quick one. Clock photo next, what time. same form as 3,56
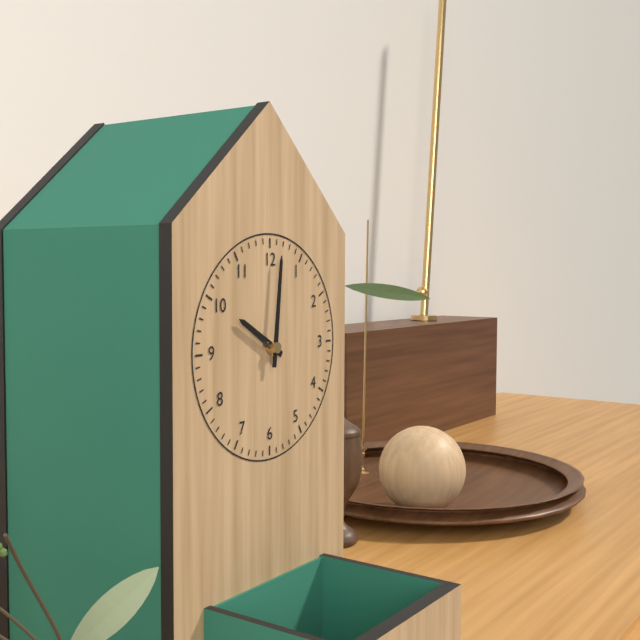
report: 10,01
